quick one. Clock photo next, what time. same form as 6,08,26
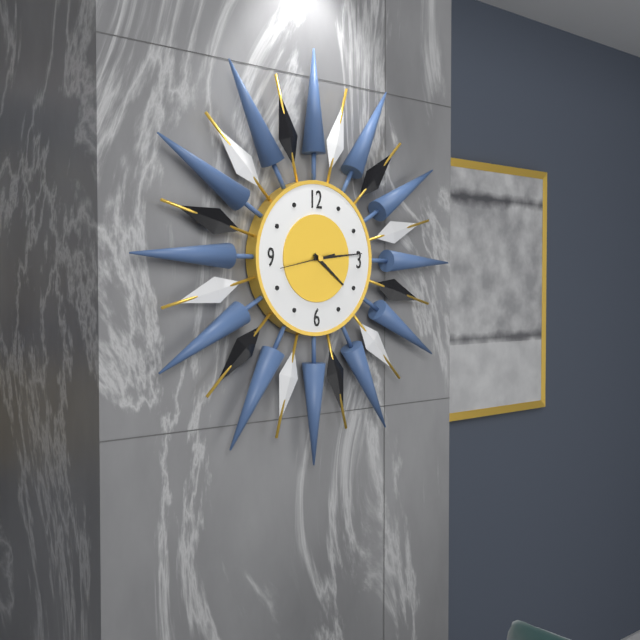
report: 4,14,43
